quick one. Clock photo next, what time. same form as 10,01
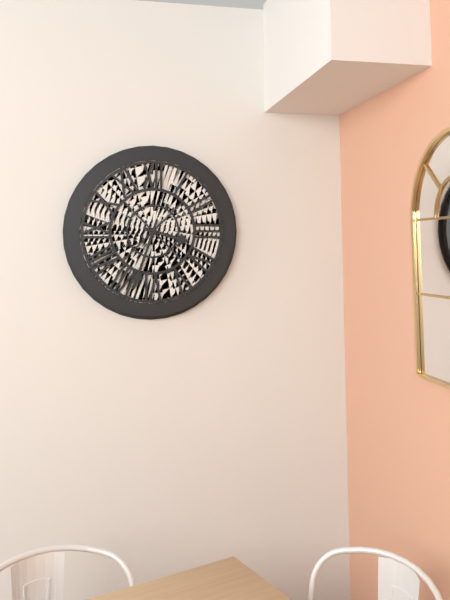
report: 3,33
